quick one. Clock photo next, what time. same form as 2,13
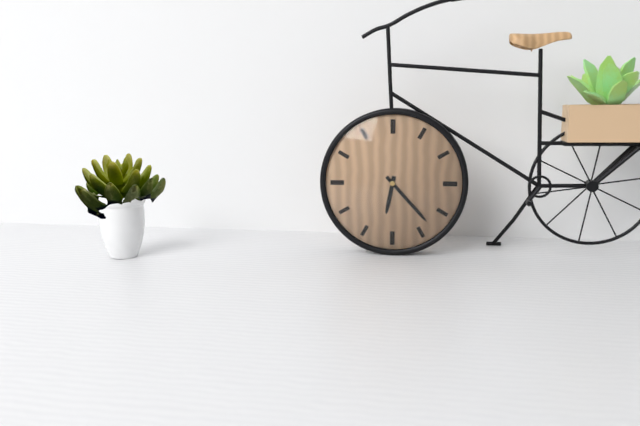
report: 6,23
